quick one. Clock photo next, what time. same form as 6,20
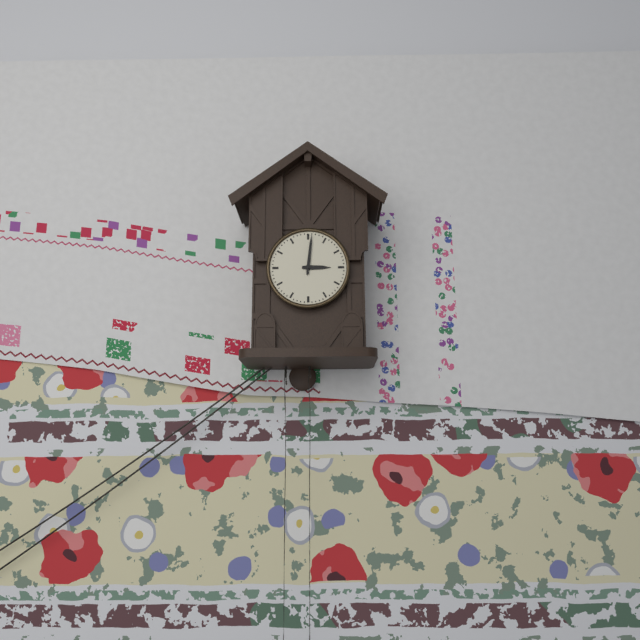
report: 3,01
